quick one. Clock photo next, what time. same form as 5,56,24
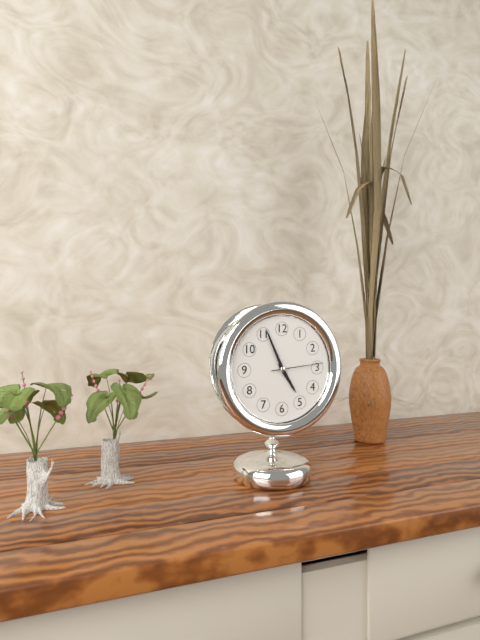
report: 4,56,14
